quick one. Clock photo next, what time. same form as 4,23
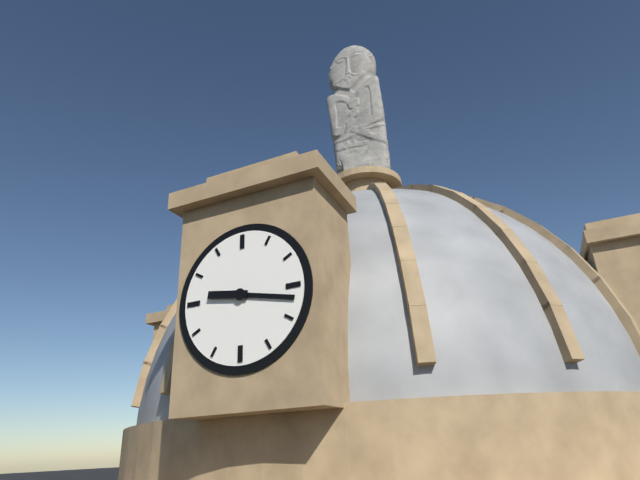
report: 9,17
